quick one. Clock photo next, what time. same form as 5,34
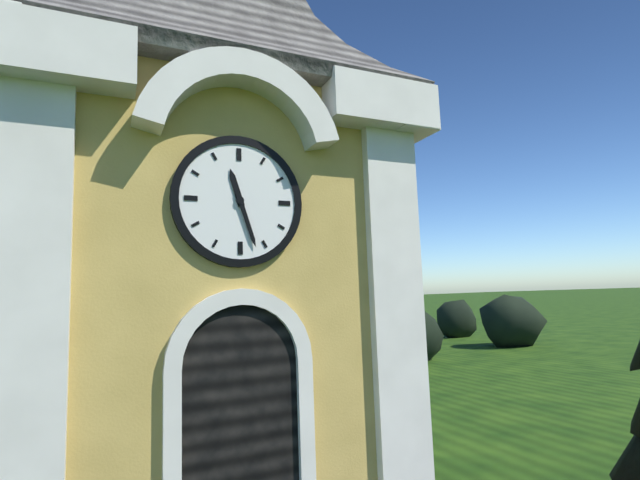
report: 11,27
